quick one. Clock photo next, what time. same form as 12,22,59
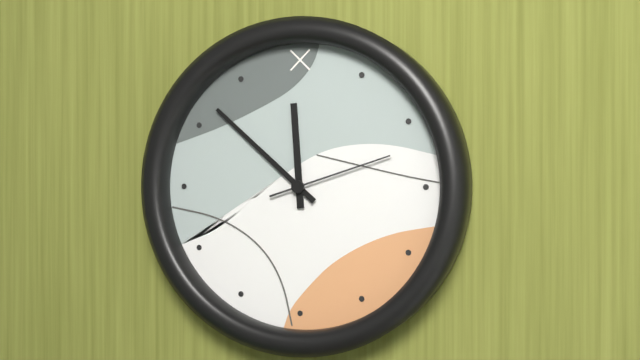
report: 11,52,12
